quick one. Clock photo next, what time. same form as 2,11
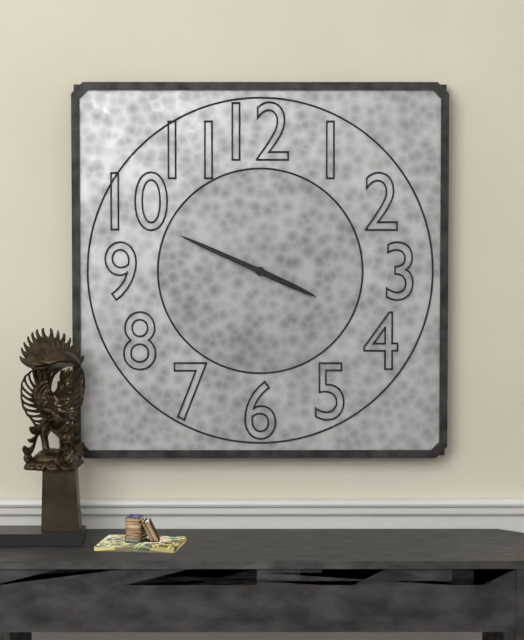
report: 3,49
